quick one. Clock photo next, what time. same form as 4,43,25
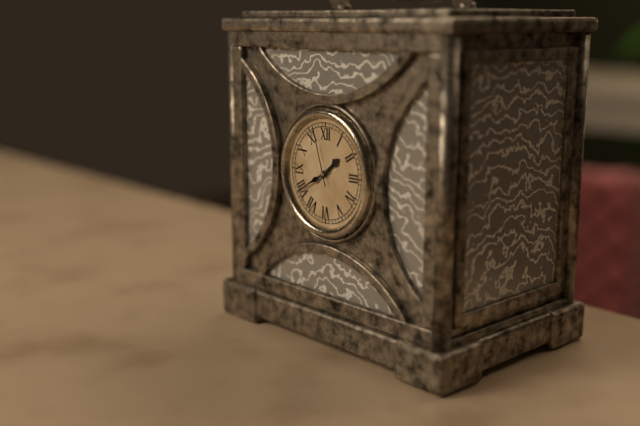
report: 1,40,57
